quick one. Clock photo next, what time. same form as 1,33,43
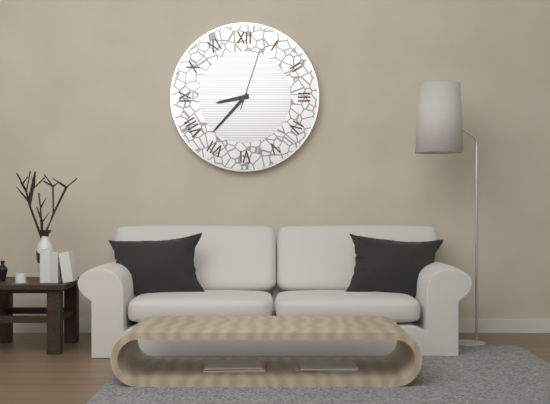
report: 8,37,03
